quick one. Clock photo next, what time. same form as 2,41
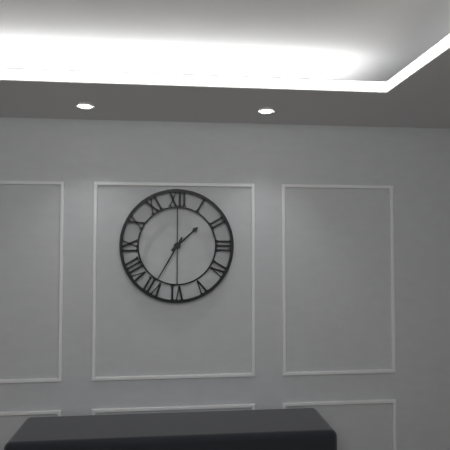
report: 1,35
